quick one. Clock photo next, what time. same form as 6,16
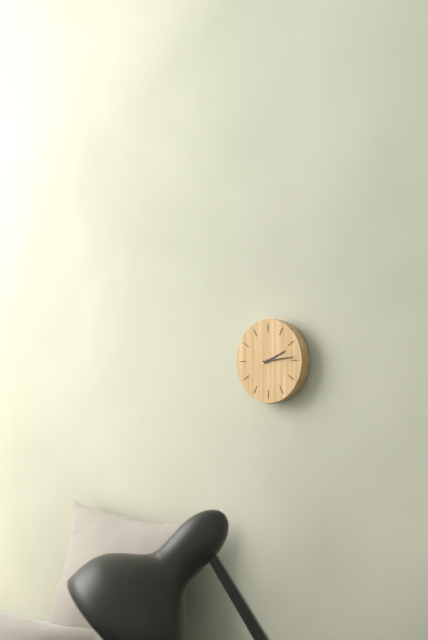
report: 2,14
